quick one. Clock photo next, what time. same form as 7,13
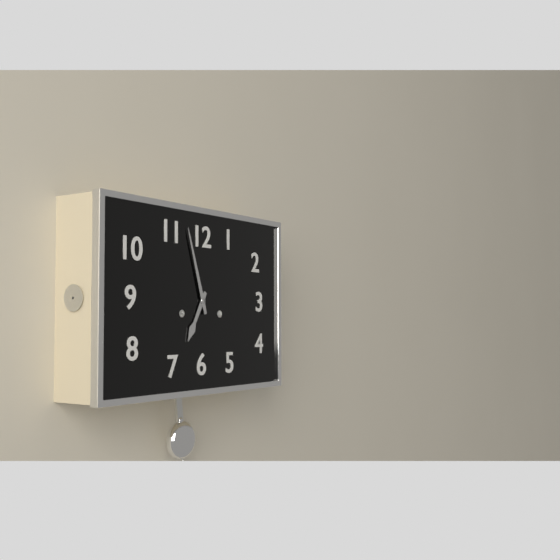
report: 6,57
